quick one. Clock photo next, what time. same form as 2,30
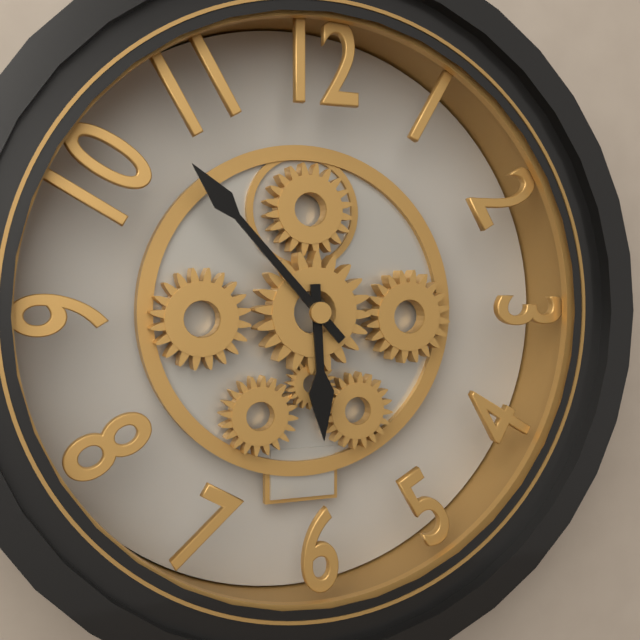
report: 5,53
